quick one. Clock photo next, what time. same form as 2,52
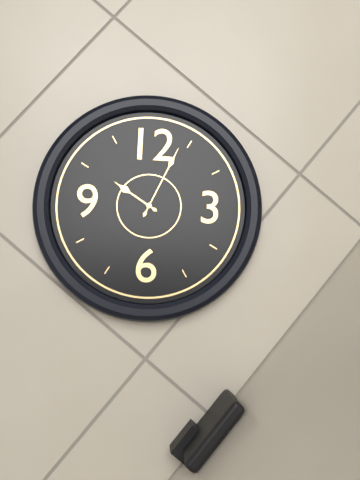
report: 10,04
